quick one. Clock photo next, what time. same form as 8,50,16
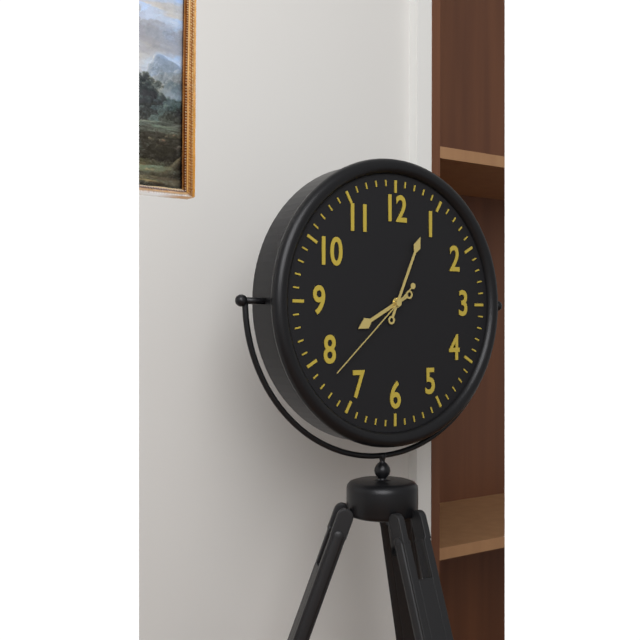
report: 8,04,38
